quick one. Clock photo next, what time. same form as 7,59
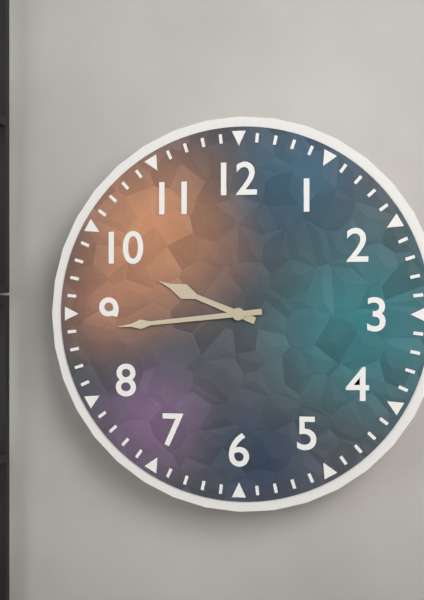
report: 9,44
